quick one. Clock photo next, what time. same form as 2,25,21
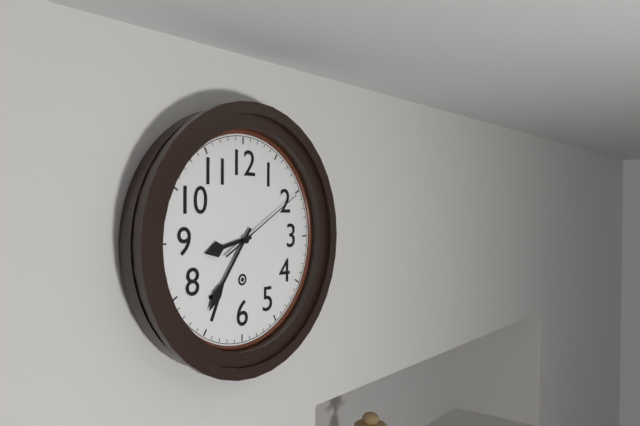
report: 8,36,10
